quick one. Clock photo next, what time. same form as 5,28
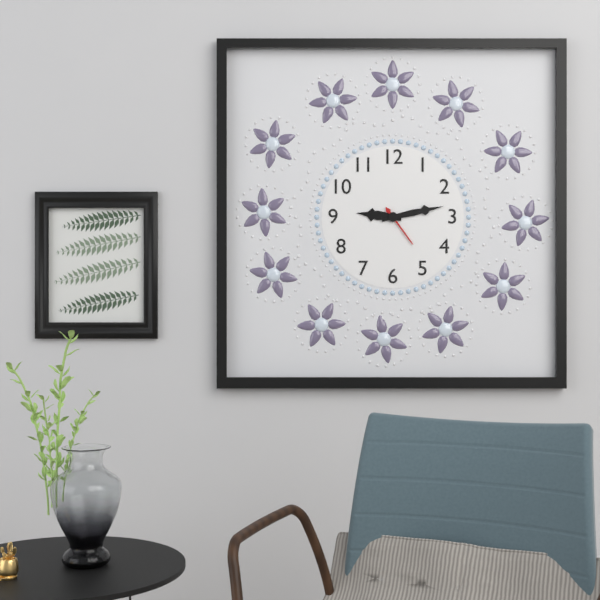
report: 9,13
